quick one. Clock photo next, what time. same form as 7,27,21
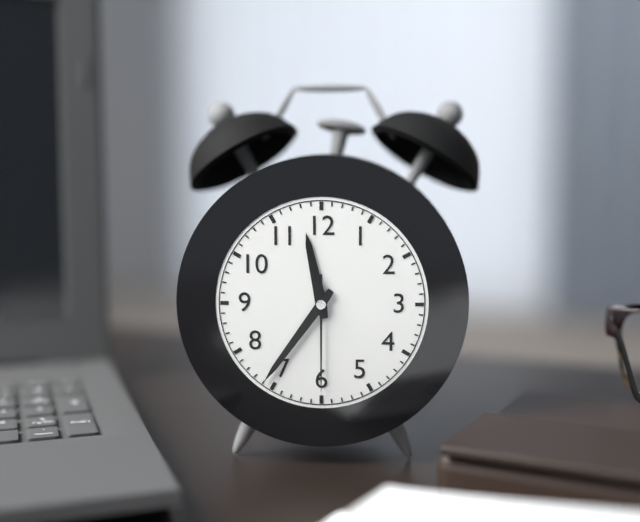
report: 11,36,30
